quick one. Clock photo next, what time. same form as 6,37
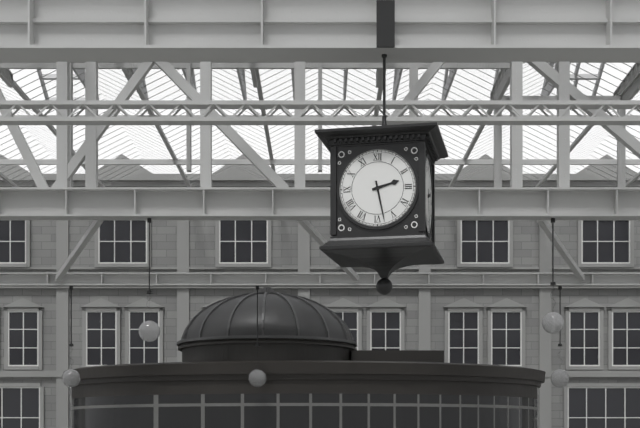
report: 2,28
